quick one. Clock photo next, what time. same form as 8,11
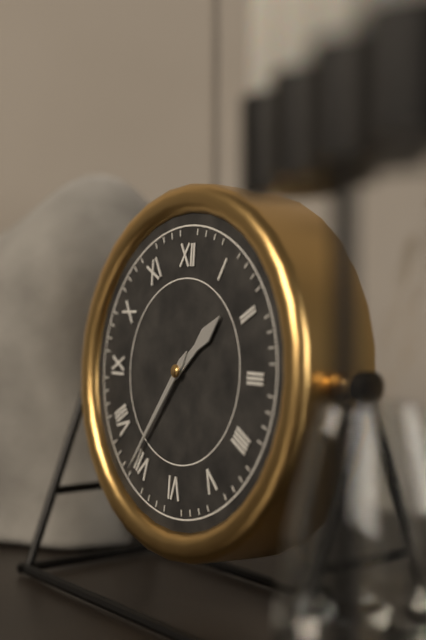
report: 1,36
